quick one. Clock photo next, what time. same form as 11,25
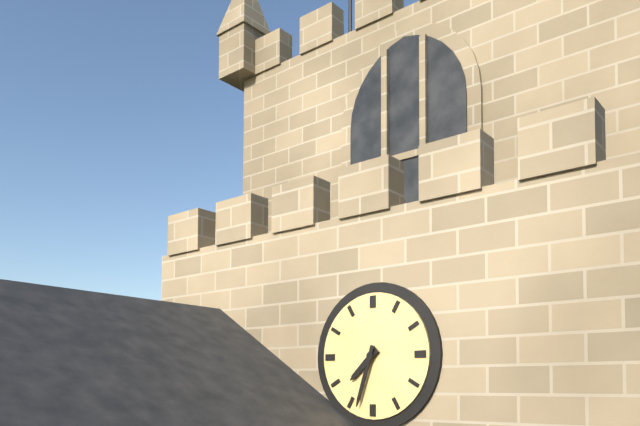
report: 7,33
